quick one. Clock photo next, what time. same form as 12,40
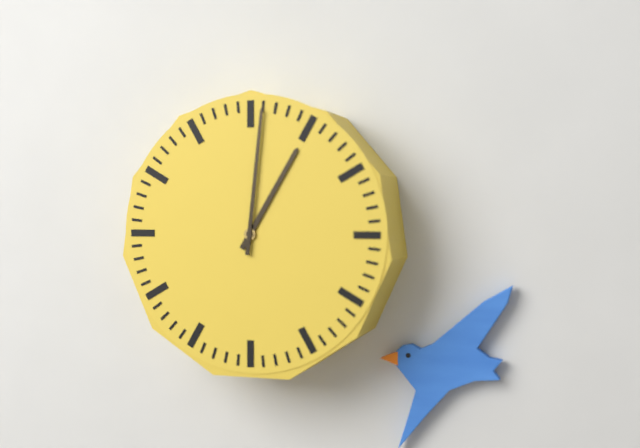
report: 1,01
